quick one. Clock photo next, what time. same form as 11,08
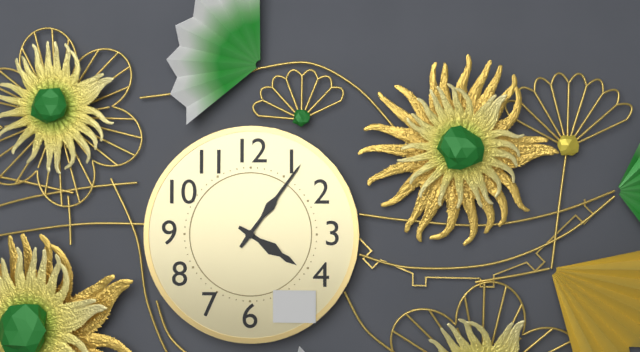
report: 4,06
